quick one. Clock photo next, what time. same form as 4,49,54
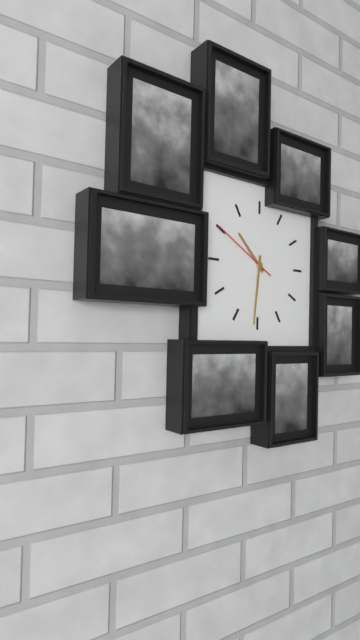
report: 10,31,50
